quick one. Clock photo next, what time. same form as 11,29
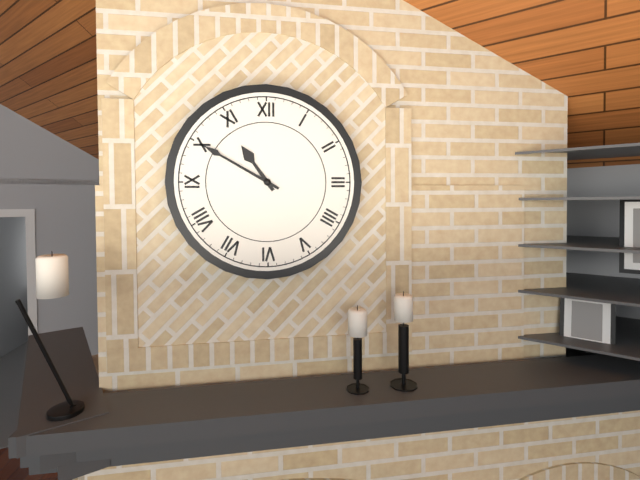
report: 10,50
